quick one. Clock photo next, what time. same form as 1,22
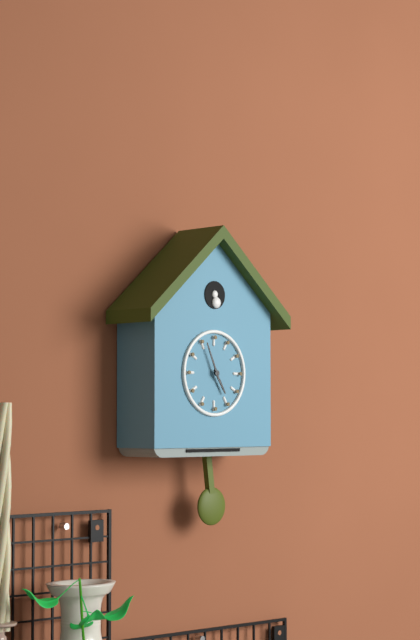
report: 4,56
